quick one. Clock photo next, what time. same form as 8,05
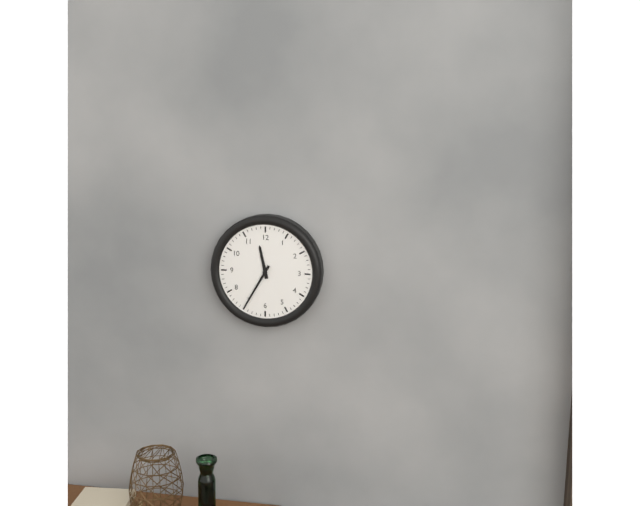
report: 11,35
